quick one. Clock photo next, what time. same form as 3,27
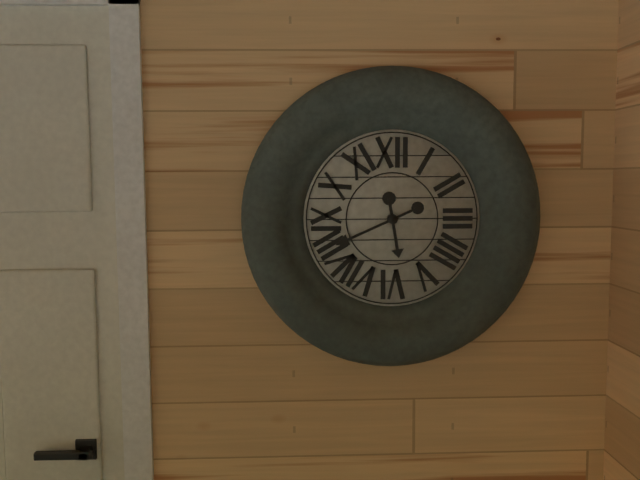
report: 5,41
